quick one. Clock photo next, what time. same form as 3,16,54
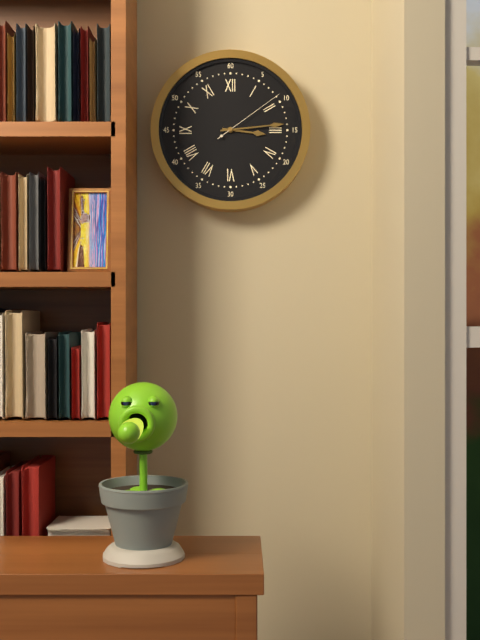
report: 3,14,09
